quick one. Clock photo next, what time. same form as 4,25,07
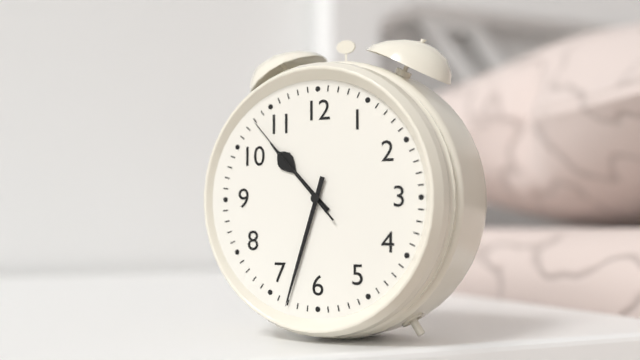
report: 10,33,53
